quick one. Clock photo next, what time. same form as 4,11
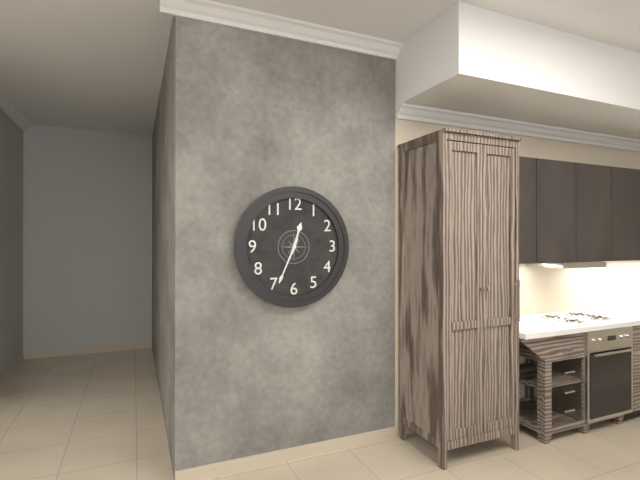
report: 12,34
